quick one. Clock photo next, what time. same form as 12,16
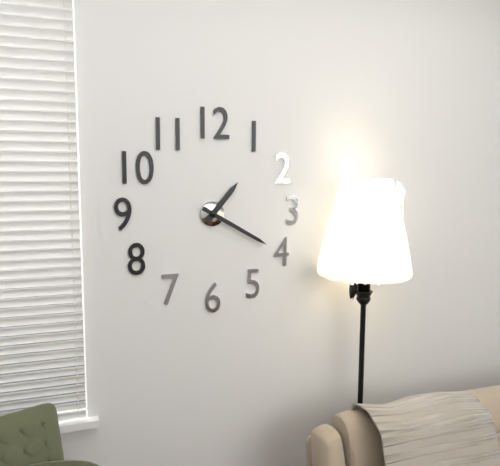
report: 1,20
